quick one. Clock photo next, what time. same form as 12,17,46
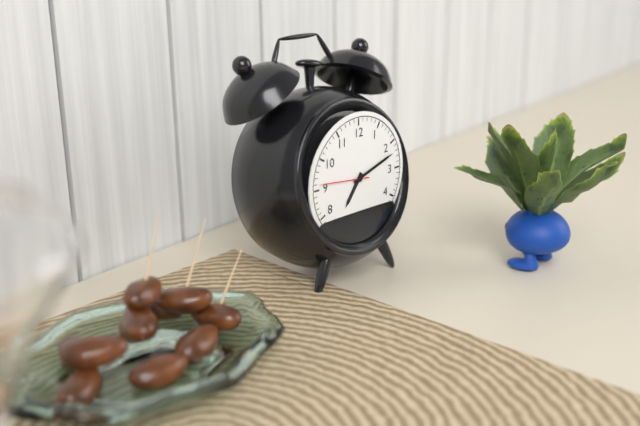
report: 7,12,46
